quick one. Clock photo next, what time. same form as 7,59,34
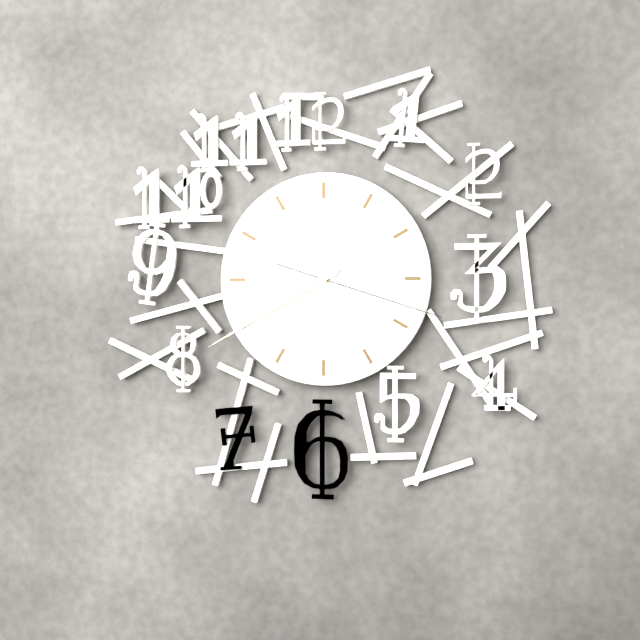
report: 11,40,18
